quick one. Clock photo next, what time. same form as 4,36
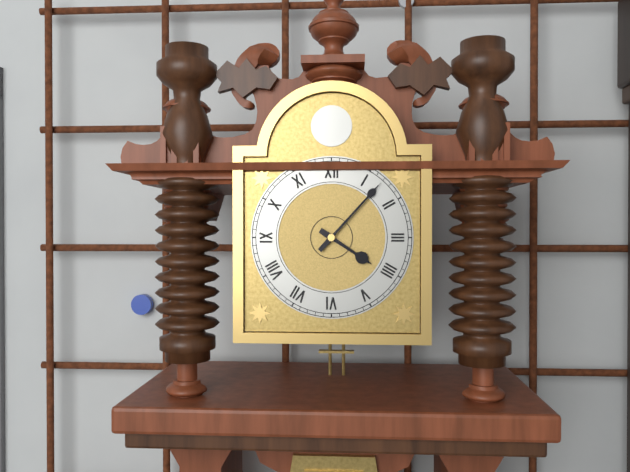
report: 4,07
